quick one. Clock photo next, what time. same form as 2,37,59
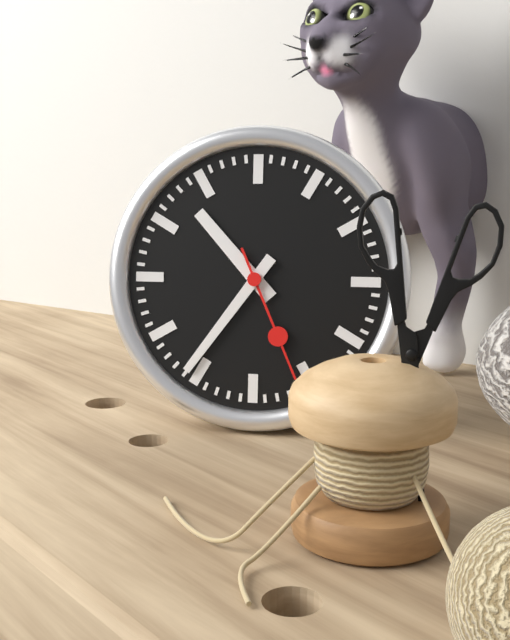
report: 10,36,26
